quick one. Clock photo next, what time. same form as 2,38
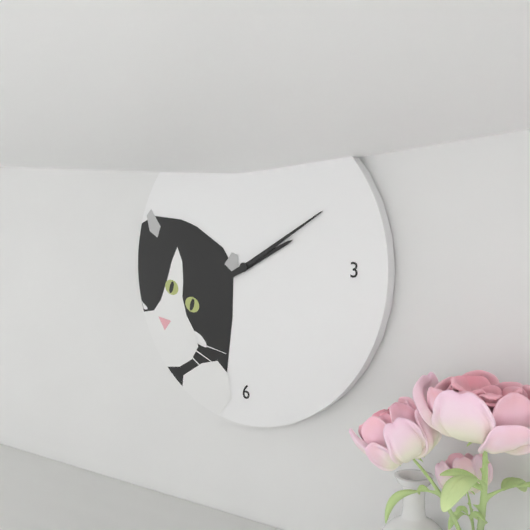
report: 2,10
